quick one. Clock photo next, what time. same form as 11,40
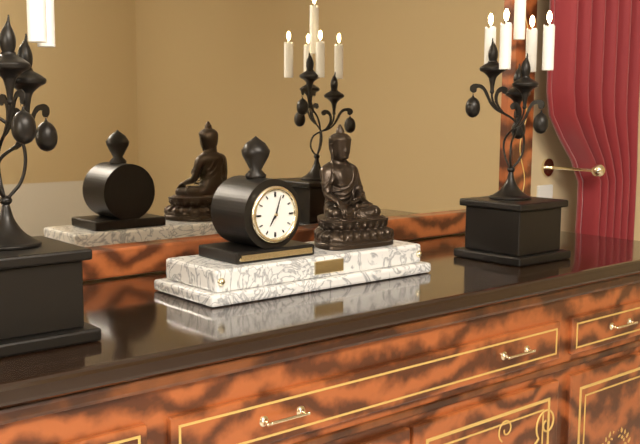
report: 7,03
